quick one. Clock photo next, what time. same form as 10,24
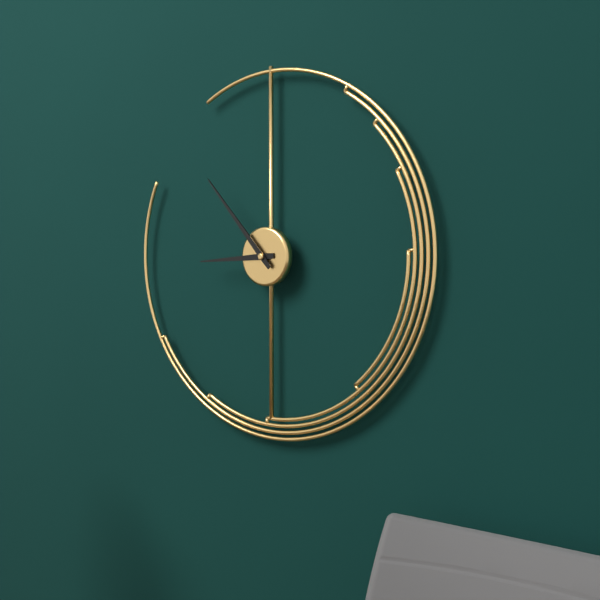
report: 8,53
